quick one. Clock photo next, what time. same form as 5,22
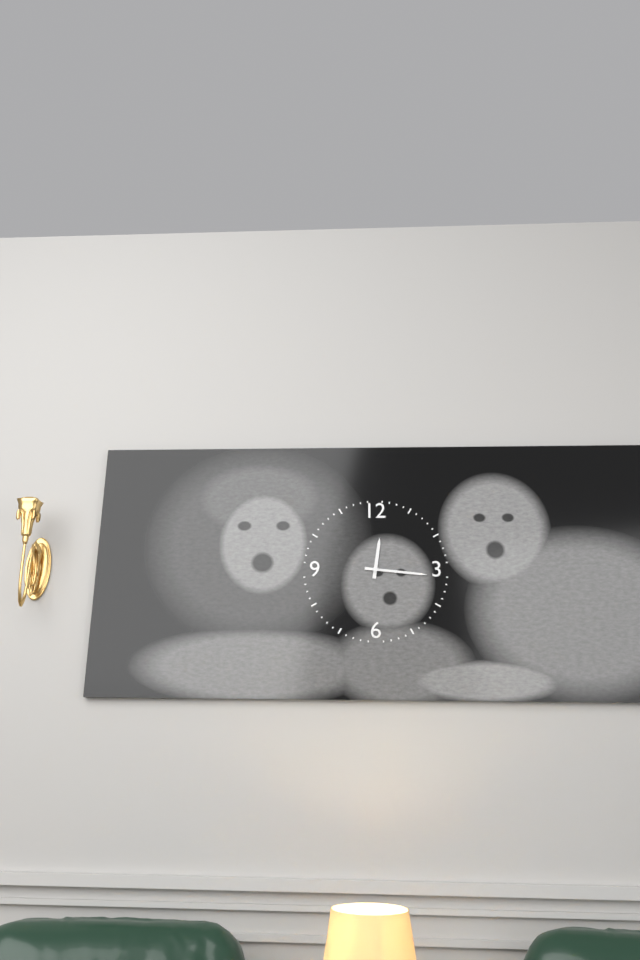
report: 12,16
